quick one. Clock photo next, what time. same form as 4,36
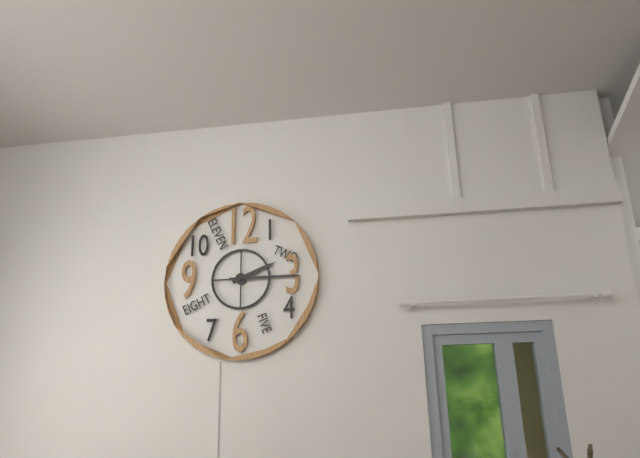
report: 2,15
